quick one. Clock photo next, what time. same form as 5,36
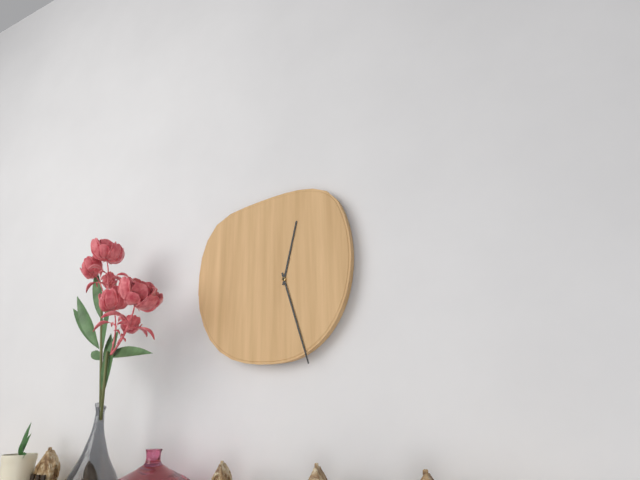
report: 12,27
